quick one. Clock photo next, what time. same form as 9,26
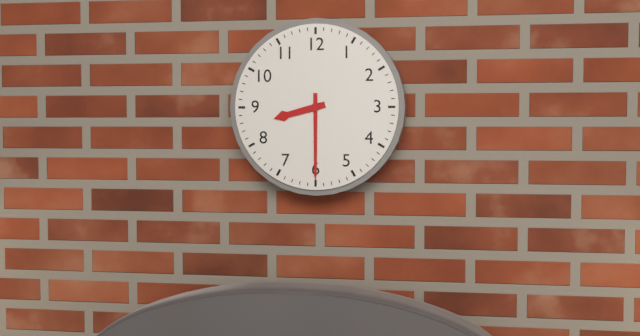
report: 8,30
